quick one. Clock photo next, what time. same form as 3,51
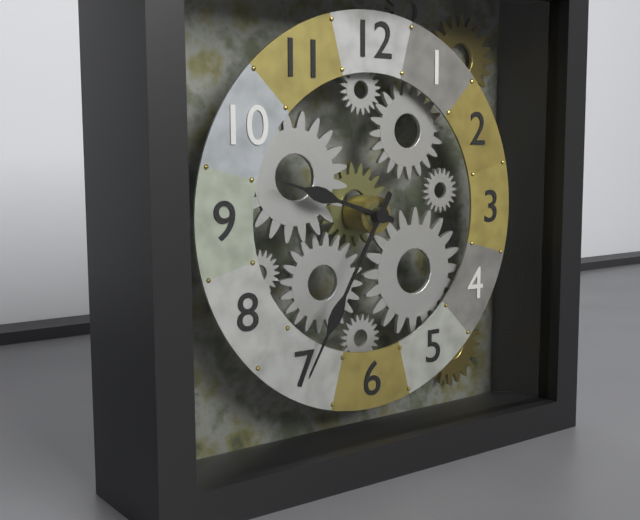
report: 9,35
